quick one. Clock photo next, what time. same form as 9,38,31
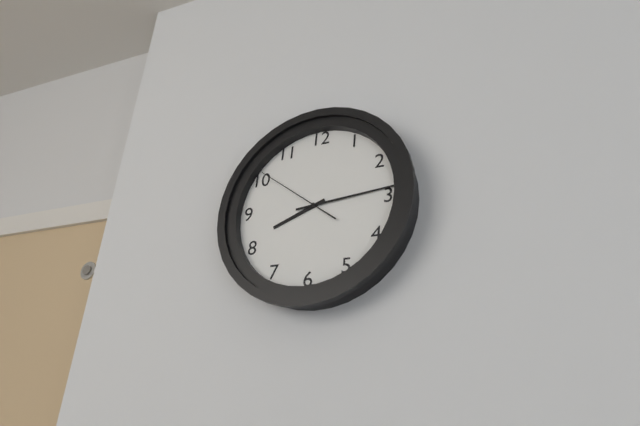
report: 8,14,51
